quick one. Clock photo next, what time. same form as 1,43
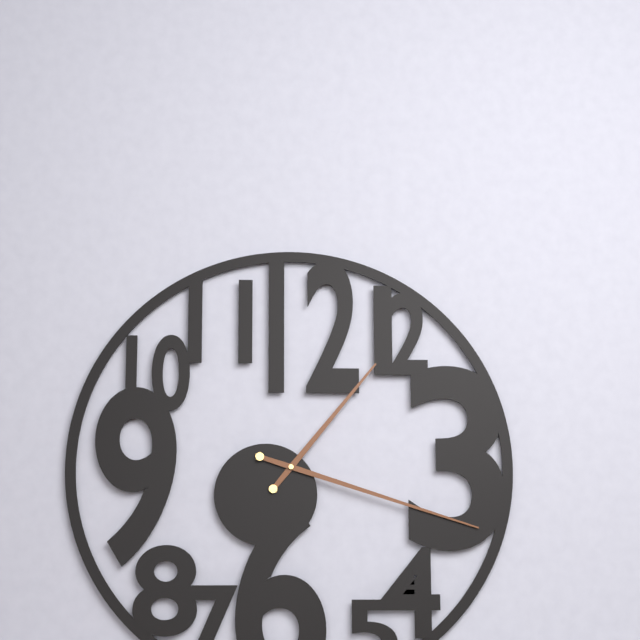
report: 1,18
